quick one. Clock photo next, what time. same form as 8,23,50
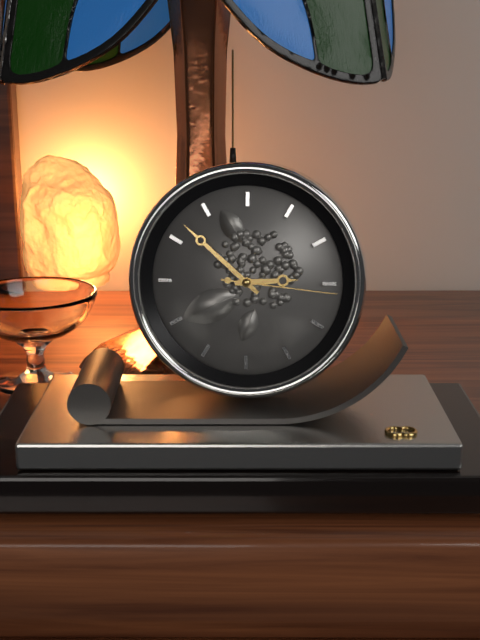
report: 2,52,16
